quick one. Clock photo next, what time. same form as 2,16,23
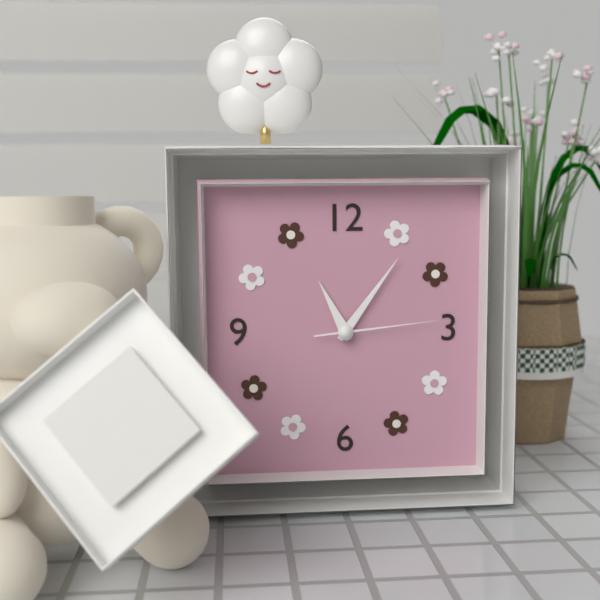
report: 11,06,14
